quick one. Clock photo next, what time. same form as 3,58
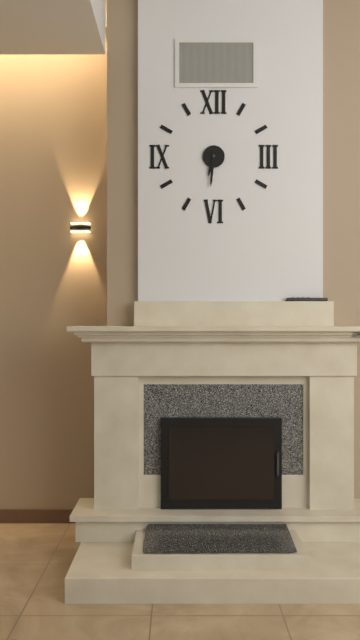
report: 6,31
